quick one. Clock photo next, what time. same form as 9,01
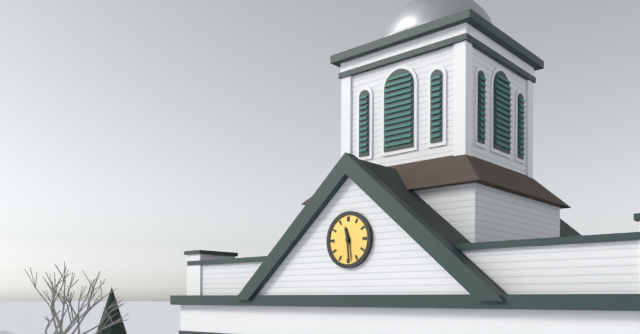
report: 11,29
